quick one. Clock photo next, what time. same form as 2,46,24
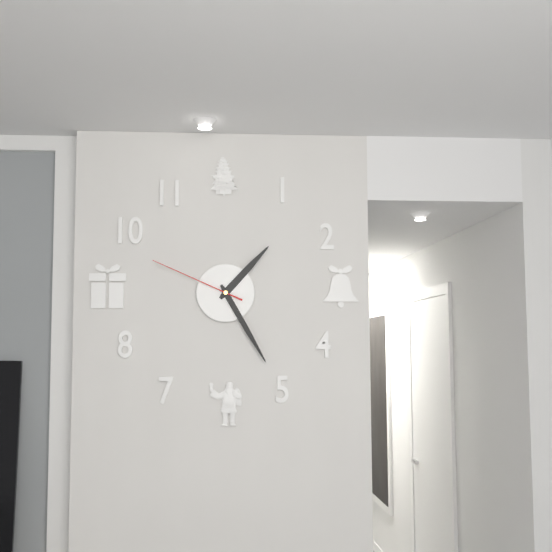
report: 1,25,49
